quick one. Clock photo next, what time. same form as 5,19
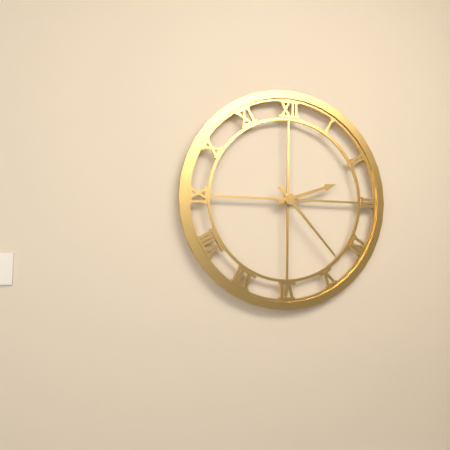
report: 2,23
